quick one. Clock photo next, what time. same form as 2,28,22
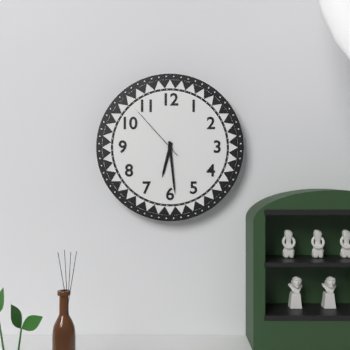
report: 6,29,53
